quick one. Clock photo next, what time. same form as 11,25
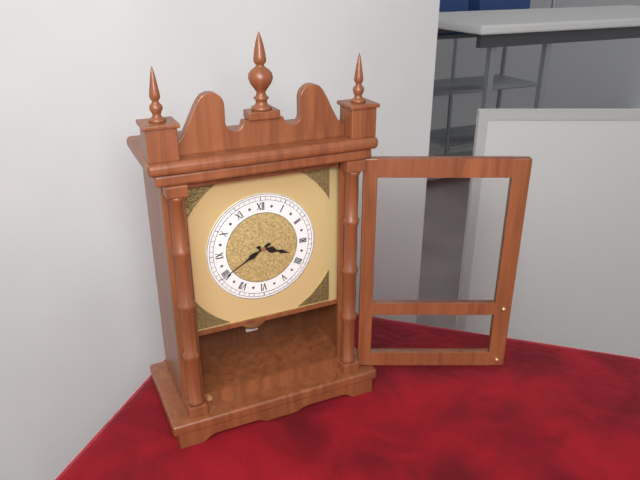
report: 3,40
